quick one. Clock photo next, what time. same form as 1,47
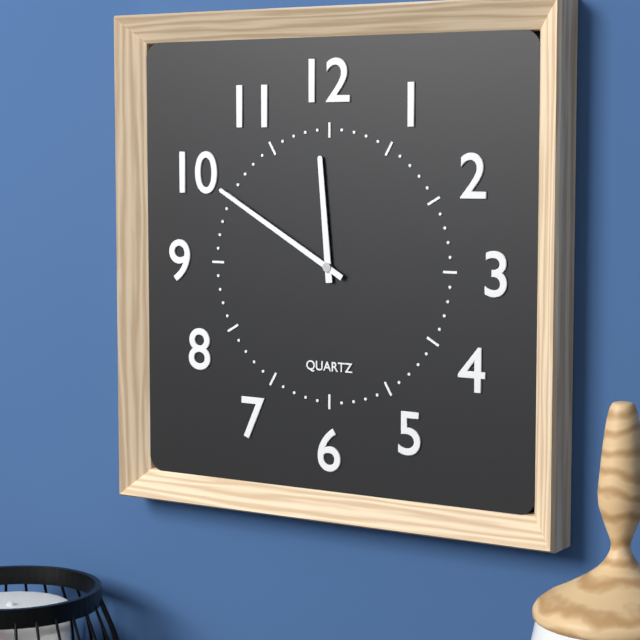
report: 11,50
